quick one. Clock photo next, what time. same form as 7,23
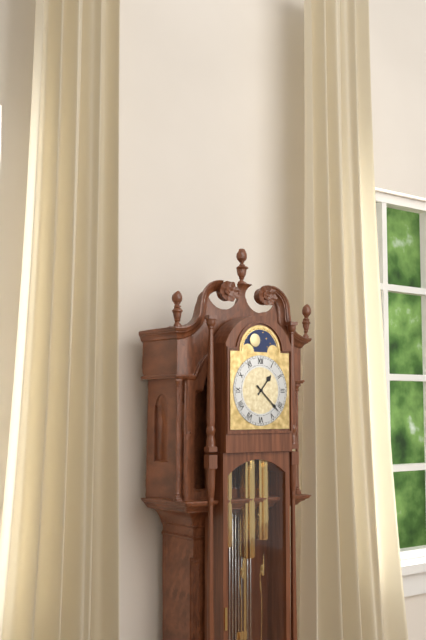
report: 1,22
